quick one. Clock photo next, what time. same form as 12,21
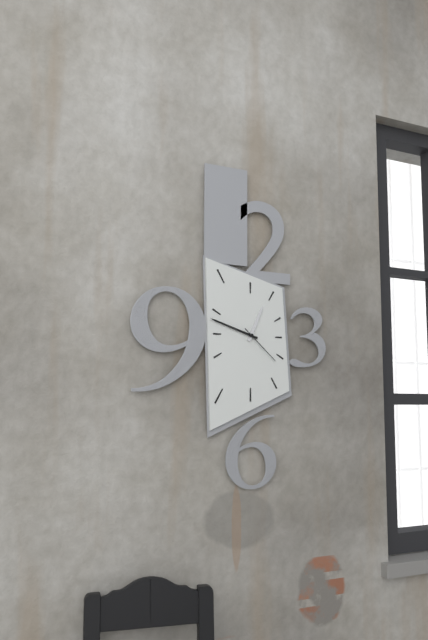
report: 12,48
